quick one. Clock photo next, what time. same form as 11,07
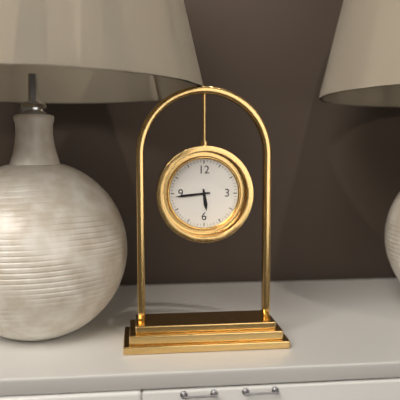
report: 5,44
